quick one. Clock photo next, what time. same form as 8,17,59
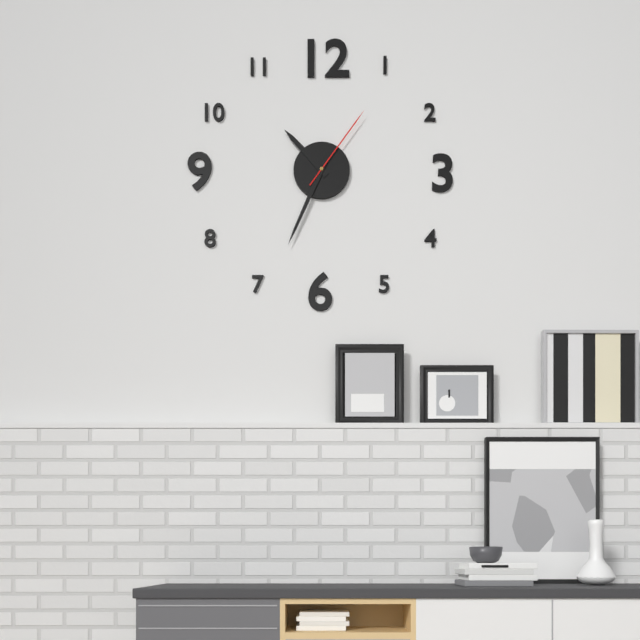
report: 10,34,06
